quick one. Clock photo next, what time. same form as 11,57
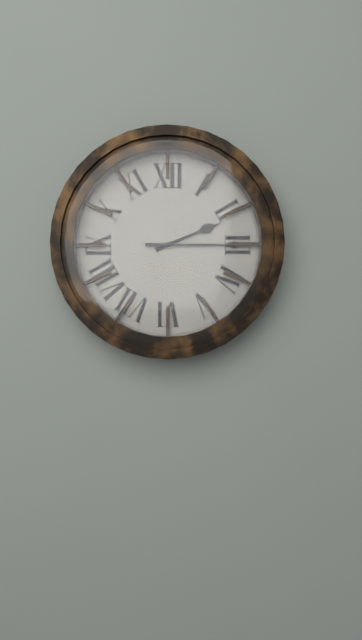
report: 2,15
